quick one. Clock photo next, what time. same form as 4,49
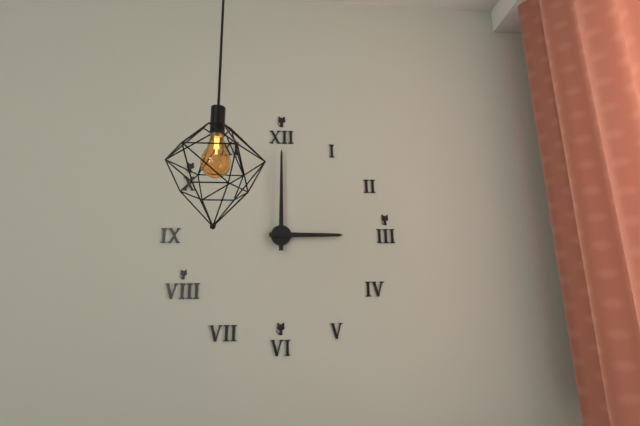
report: 3,00
